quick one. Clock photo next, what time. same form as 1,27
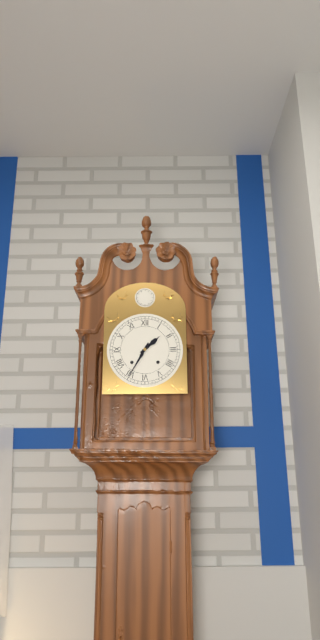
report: 1,35
